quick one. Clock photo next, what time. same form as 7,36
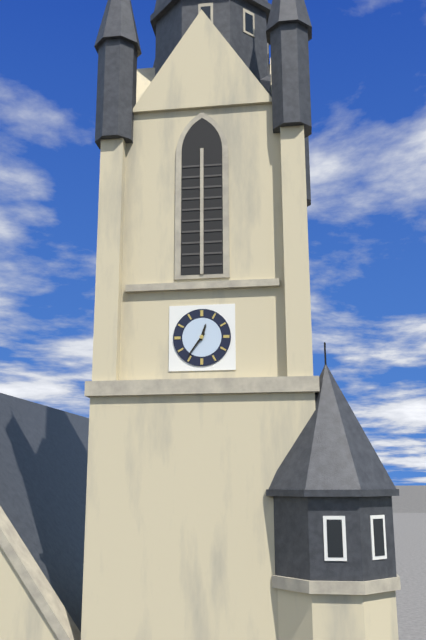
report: 12,36
